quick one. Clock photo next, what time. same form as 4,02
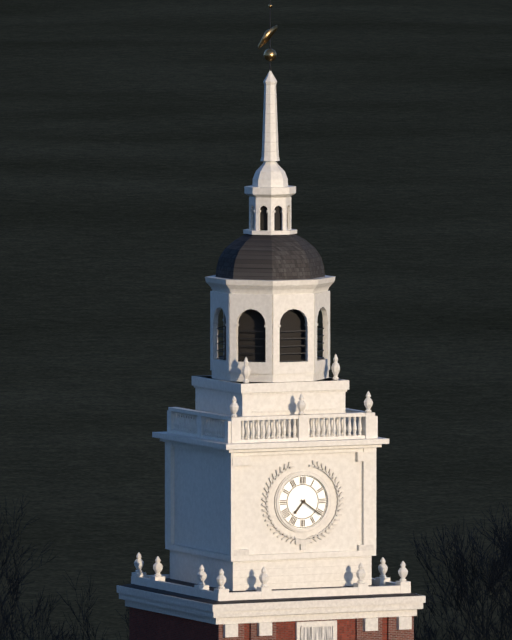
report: 7,21
